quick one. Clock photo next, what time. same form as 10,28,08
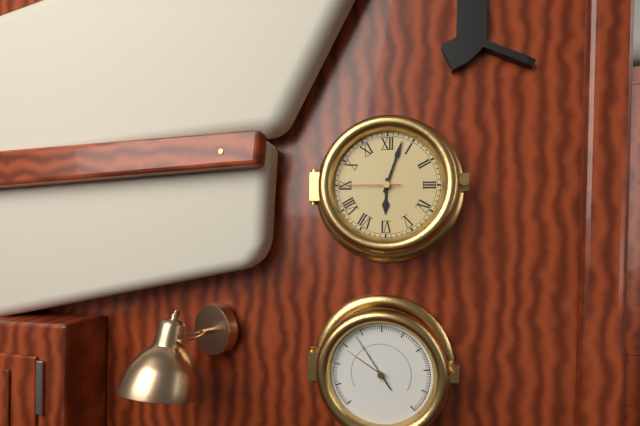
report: 6,03,45
